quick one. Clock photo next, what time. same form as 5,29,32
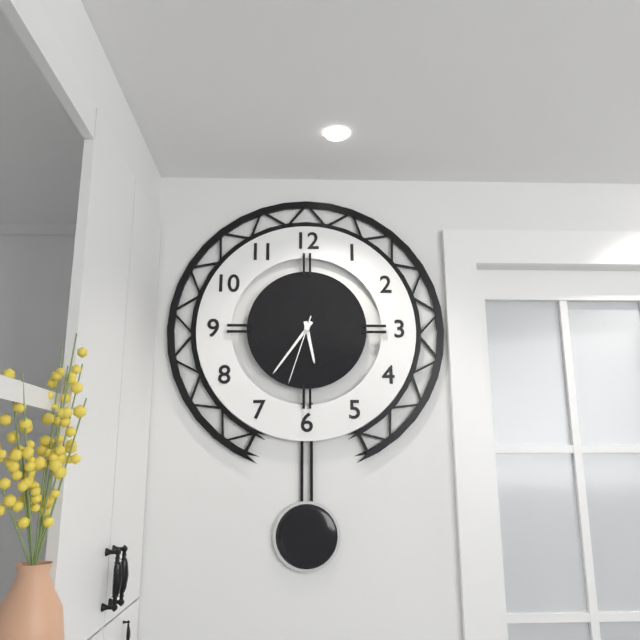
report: 5,36,33
